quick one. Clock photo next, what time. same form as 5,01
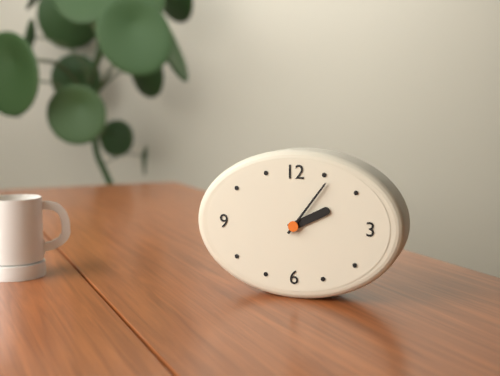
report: 2,06
